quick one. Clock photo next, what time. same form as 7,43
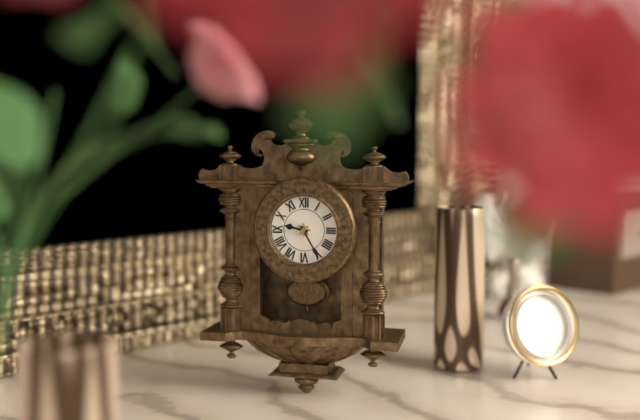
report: 9,25
